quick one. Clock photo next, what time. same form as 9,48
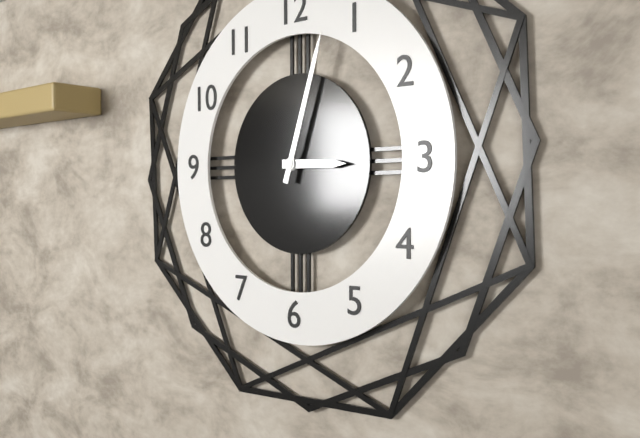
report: 3,03
